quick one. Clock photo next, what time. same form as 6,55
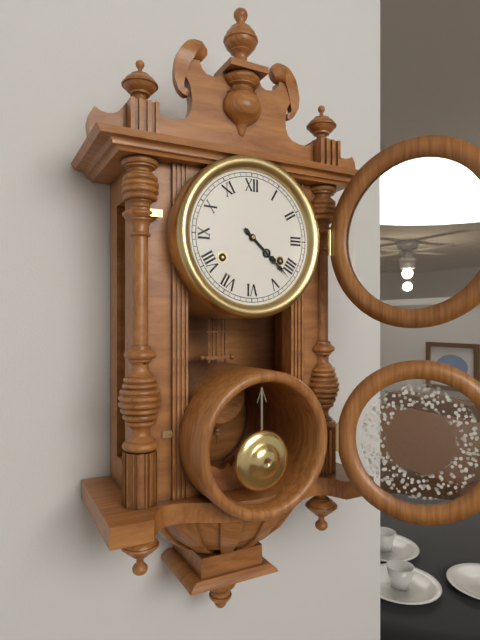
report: 4,22
